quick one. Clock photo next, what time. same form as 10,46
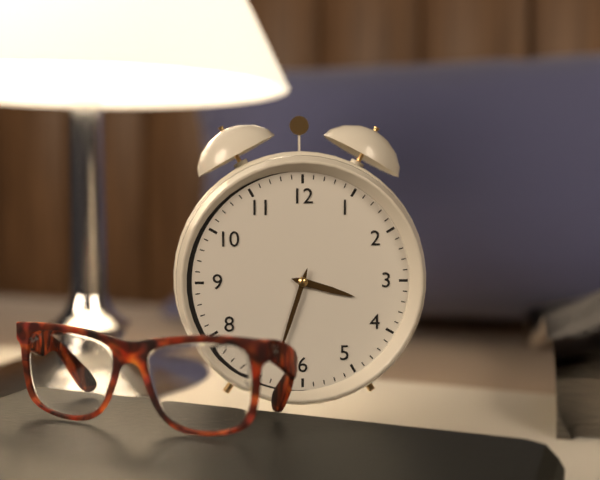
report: 3,33
